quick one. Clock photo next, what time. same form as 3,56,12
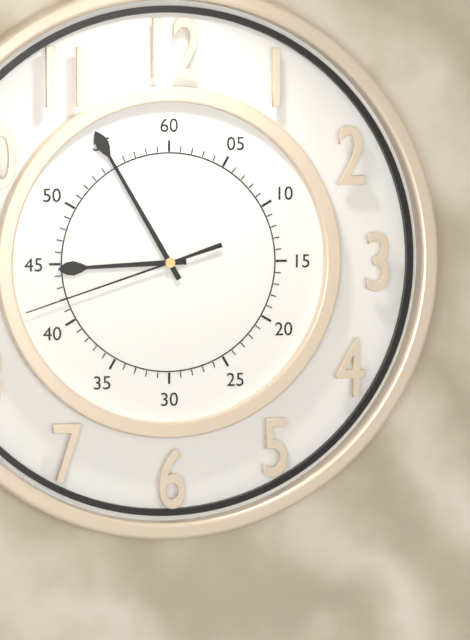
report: 8,55,42
